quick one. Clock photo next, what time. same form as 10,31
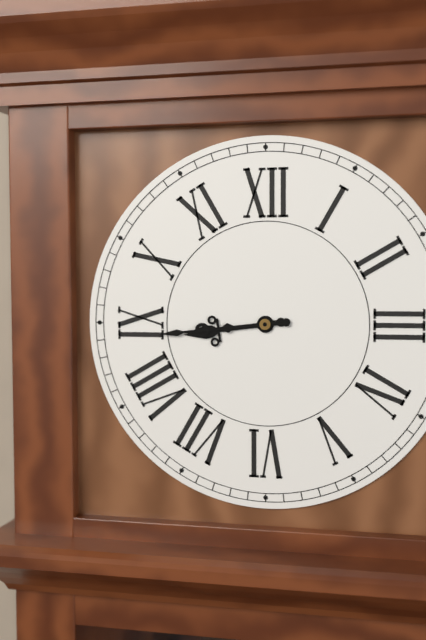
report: 8,44
